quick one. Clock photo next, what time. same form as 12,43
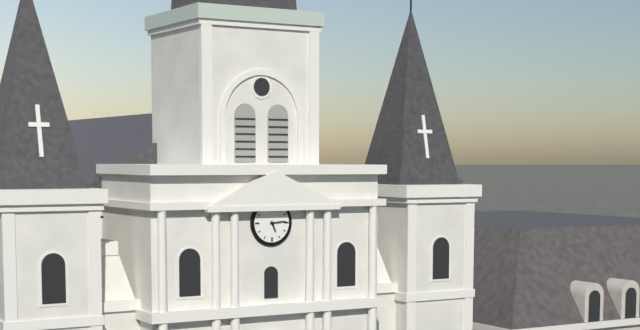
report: 5,14
